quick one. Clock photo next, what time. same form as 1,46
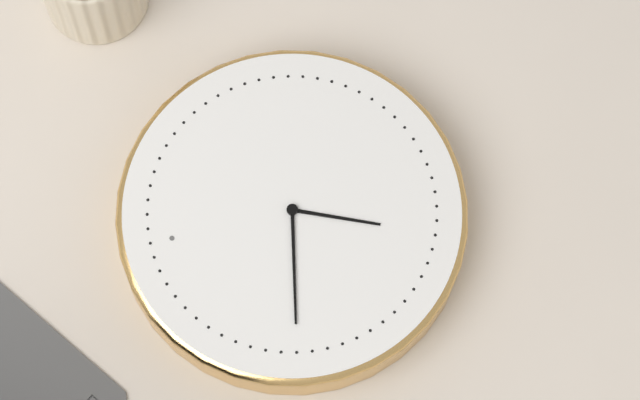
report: 6,47
